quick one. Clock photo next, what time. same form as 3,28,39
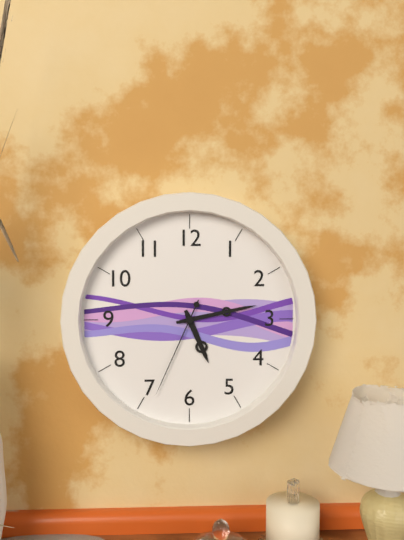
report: 5,13,34
